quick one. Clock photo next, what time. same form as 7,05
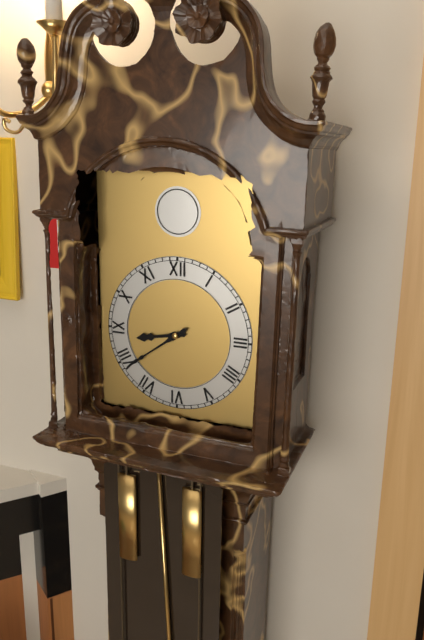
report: 8,39
